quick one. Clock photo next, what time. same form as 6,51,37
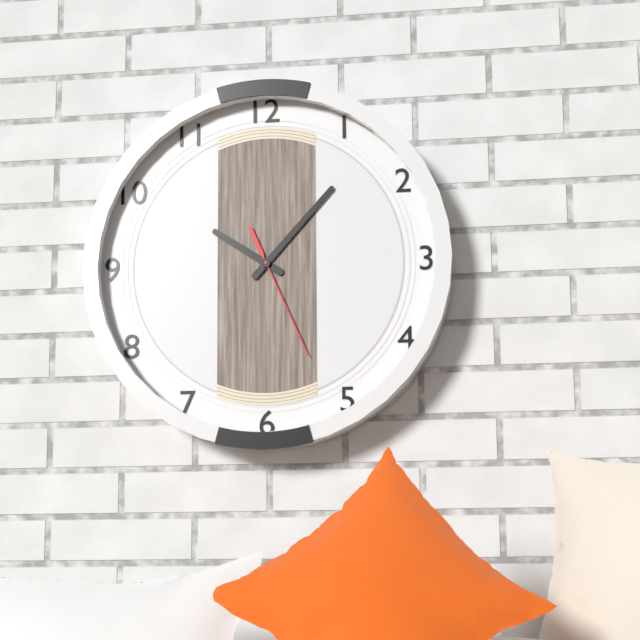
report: 10,07,26
